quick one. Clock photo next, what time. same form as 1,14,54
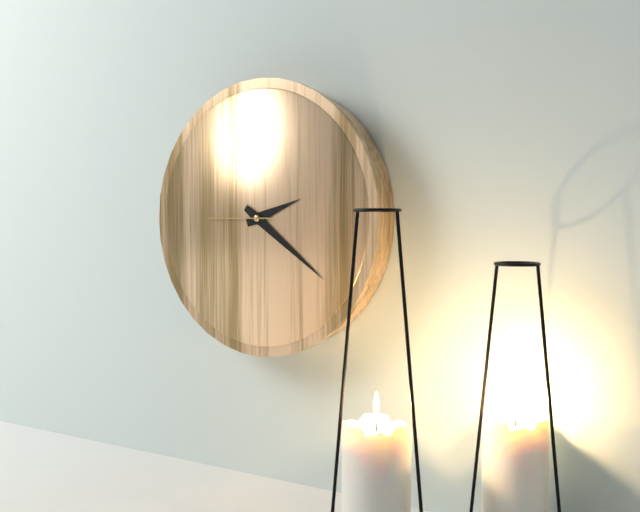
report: 2,21,45
